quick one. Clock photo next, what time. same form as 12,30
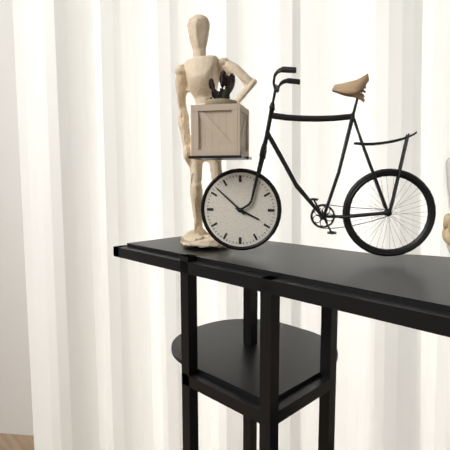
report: 3,52
